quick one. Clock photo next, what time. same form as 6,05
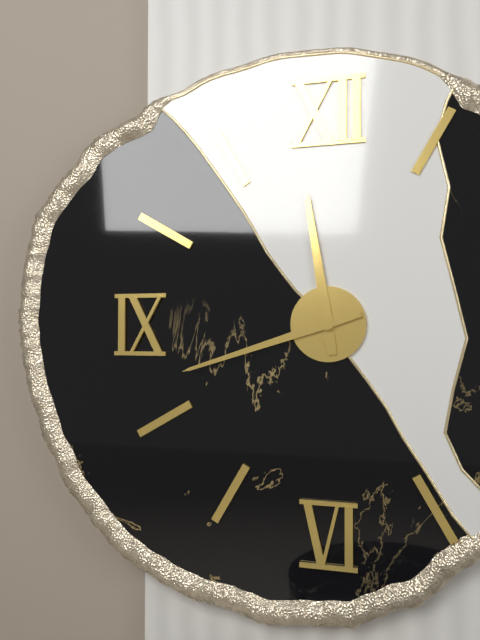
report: 11,42
